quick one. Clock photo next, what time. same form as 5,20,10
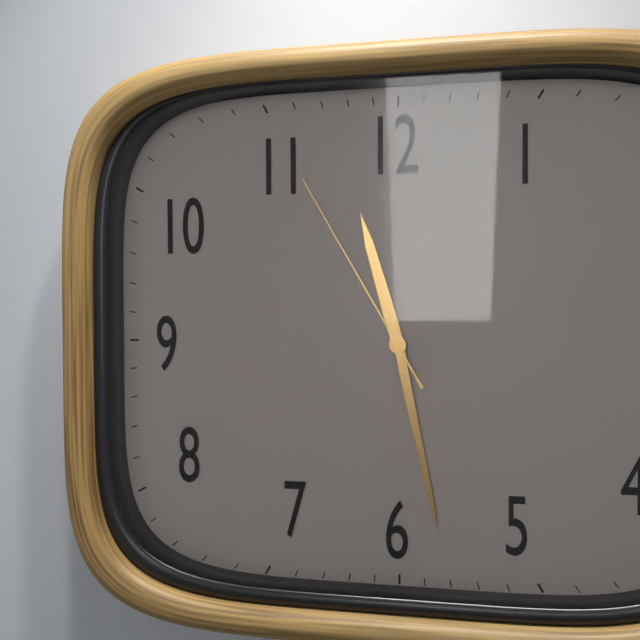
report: 11,28,55
